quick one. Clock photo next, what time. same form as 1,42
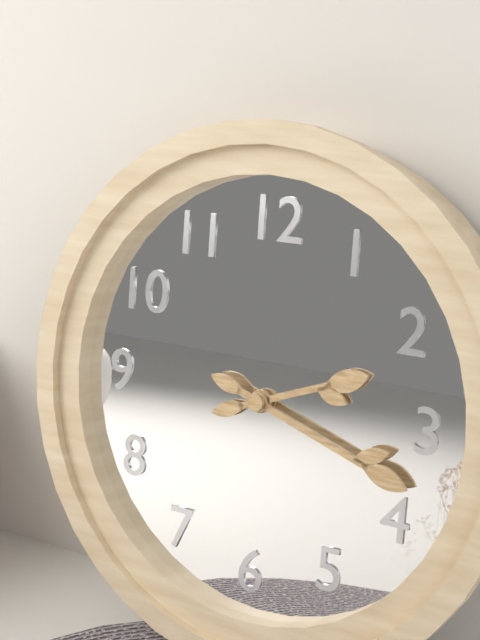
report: 2,18
